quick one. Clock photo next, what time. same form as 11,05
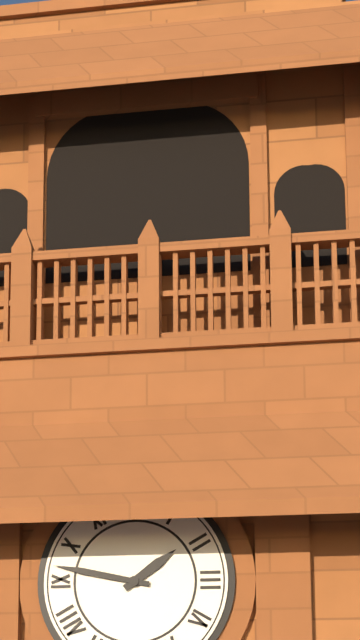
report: 1,47
